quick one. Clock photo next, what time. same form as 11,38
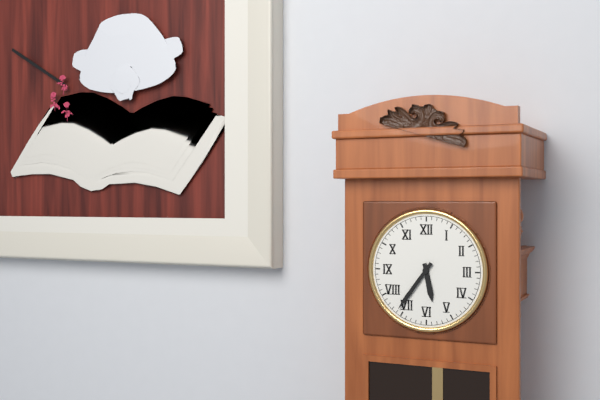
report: 5,36
